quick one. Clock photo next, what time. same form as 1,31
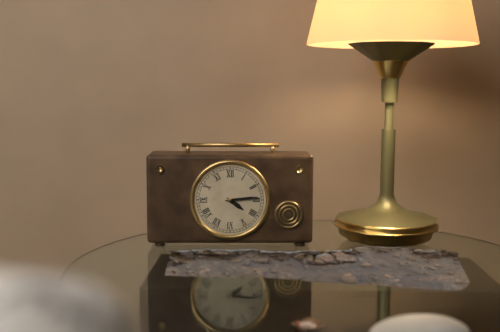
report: 4,14
